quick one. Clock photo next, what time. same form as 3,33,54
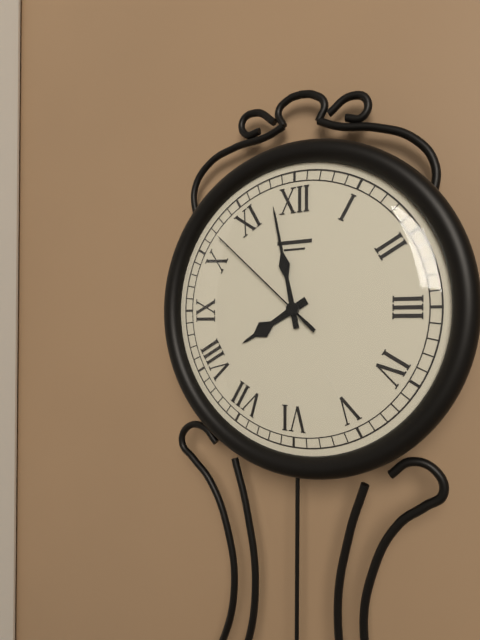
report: 7,58,52
